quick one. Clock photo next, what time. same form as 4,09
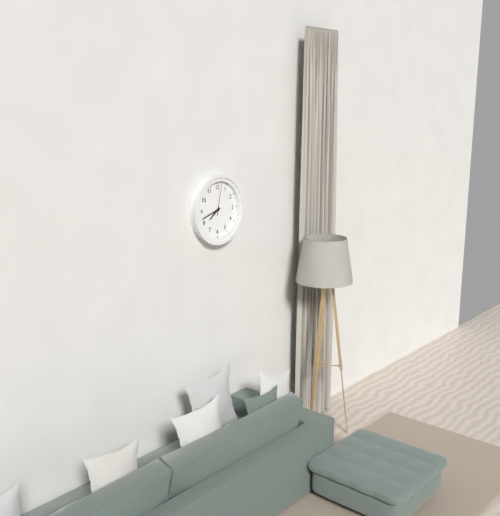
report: 7,42
